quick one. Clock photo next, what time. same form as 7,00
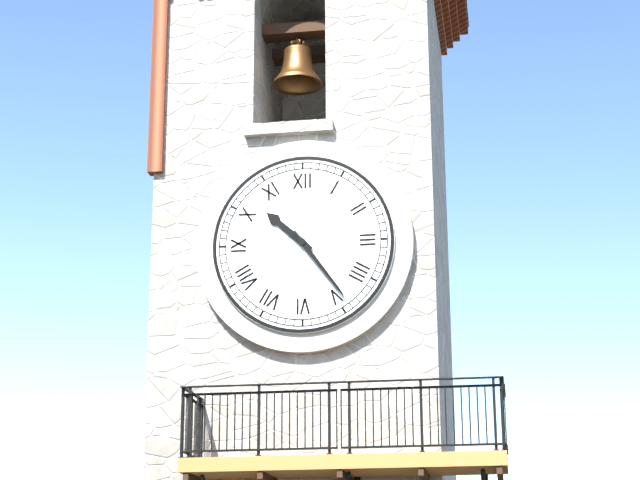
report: 10,24
